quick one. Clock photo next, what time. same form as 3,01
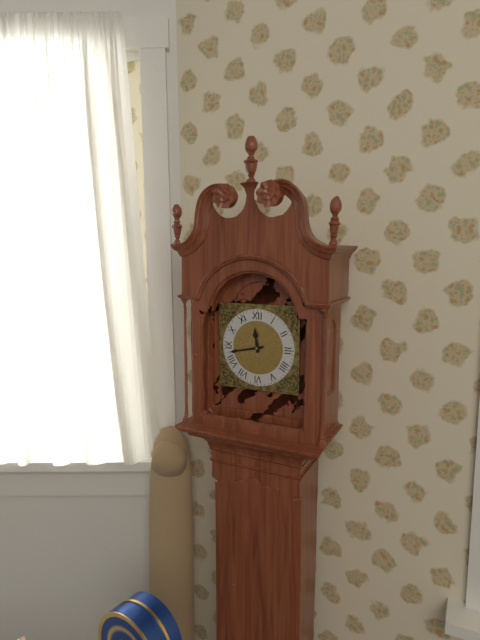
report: 11,43
